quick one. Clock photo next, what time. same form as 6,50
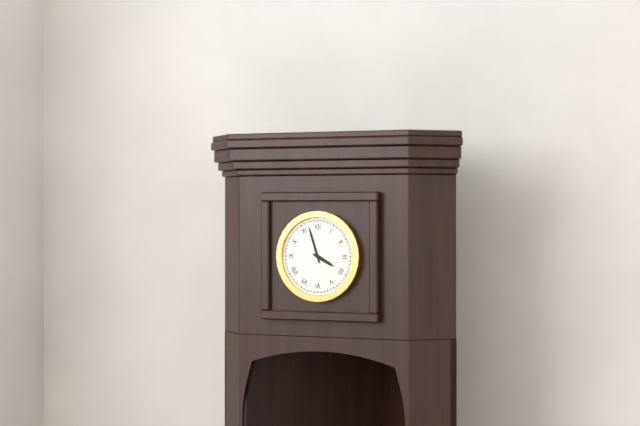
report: 3,57
